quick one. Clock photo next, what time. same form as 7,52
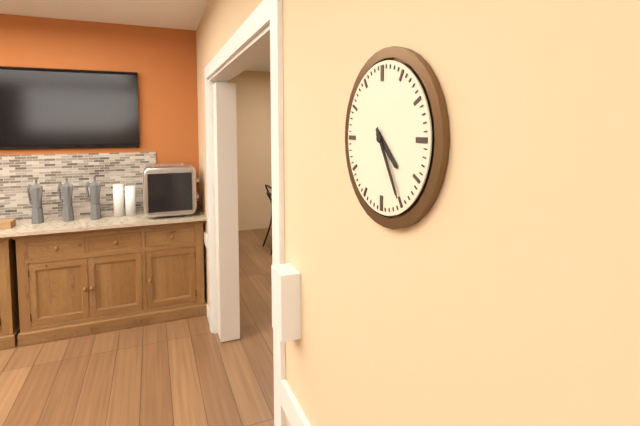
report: 4,25
